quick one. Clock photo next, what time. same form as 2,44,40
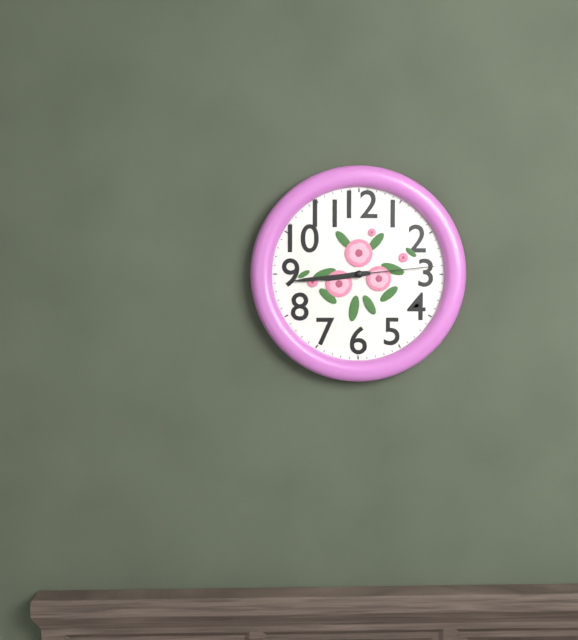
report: 8,44,14
